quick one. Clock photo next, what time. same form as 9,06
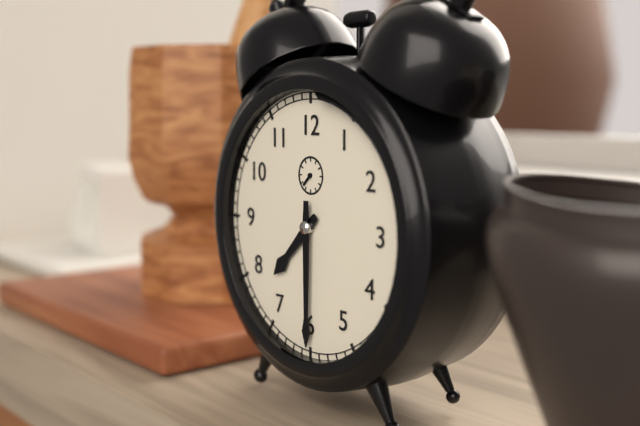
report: 7,30
